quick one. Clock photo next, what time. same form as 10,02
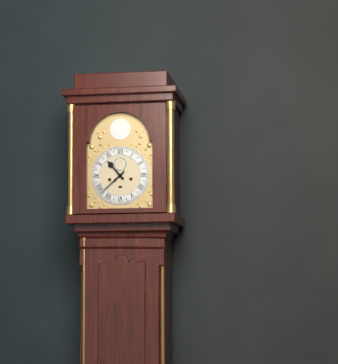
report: 10,38
